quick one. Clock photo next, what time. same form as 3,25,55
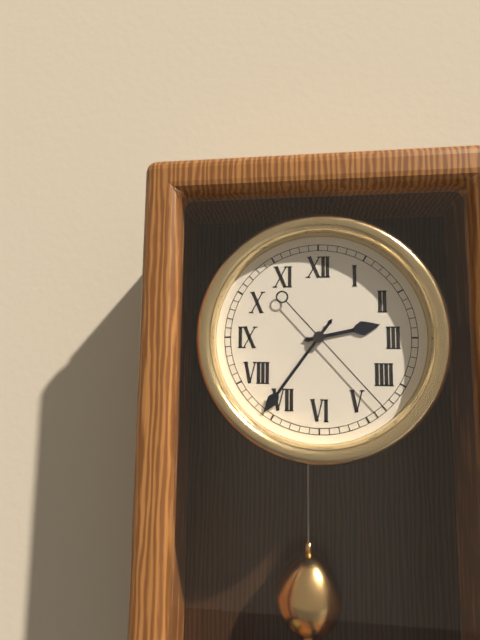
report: 2,36,23
